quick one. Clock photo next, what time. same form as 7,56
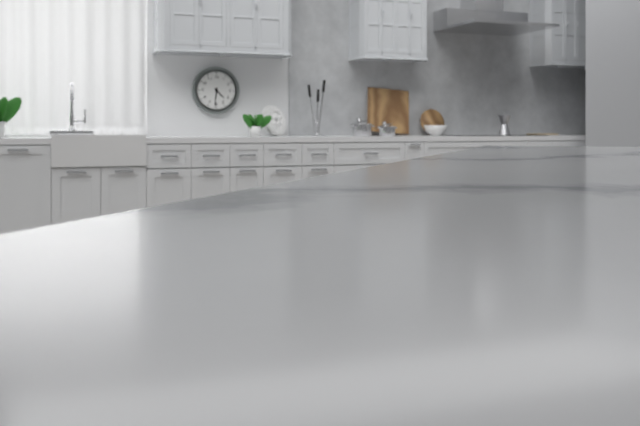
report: 4,31
